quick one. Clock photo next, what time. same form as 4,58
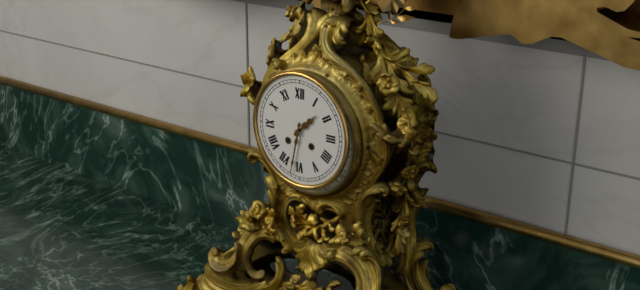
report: 1,32
